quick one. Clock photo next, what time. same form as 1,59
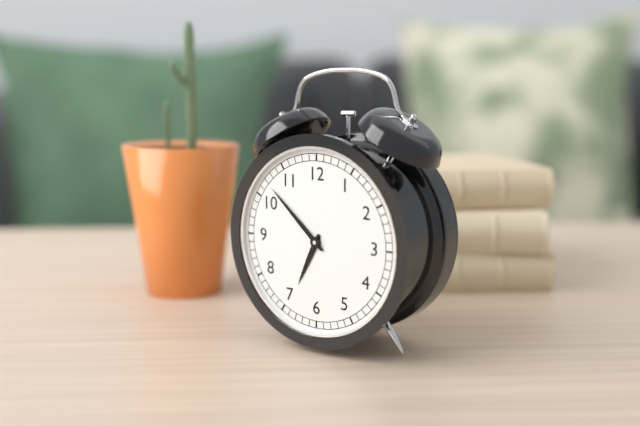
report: 6,52
